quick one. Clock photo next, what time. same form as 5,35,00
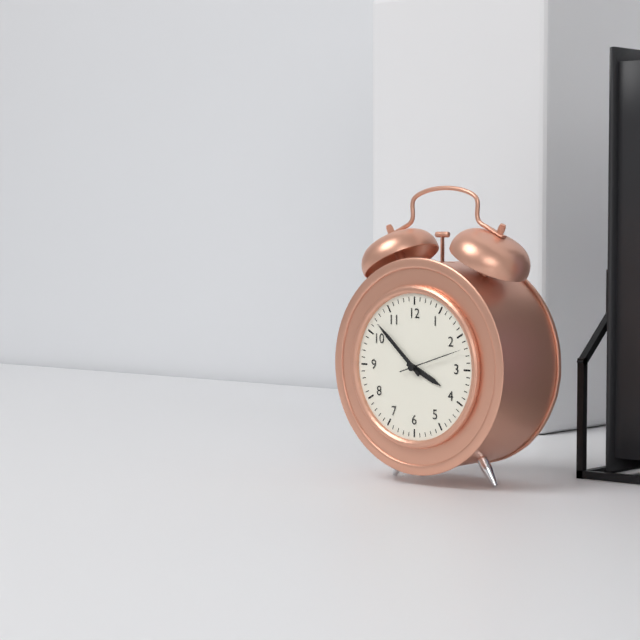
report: 3,52,12
